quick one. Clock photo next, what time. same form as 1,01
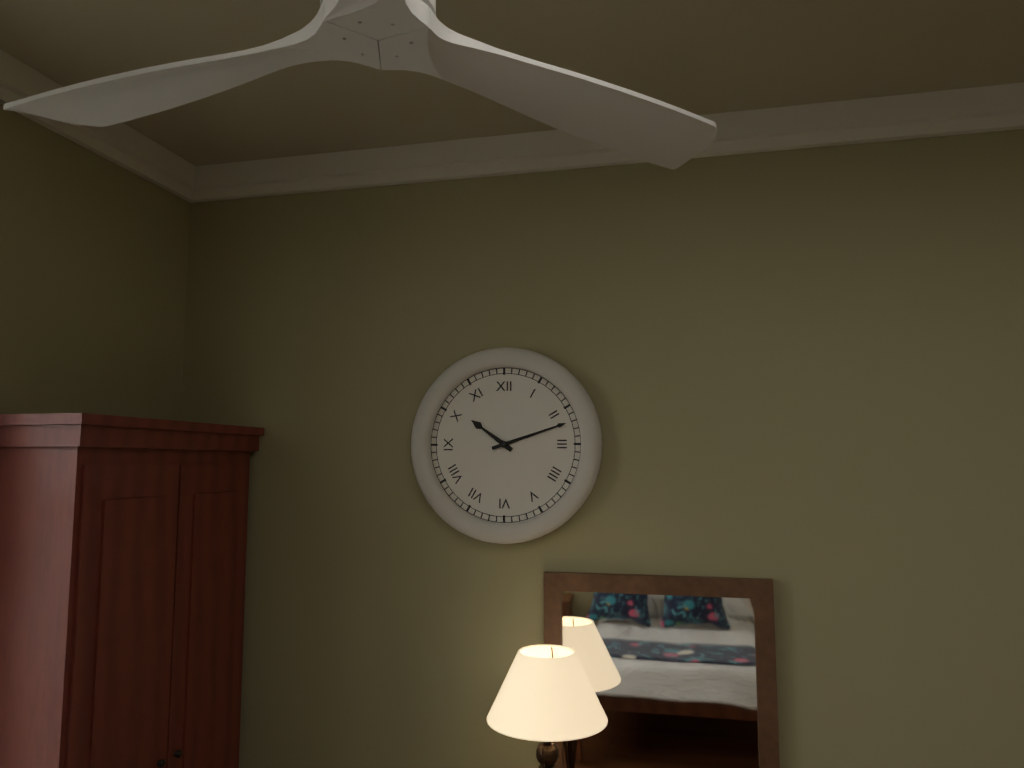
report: 10,12
